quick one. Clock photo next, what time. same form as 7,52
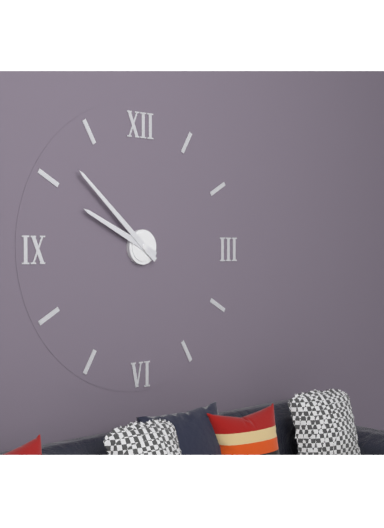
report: 9,52
